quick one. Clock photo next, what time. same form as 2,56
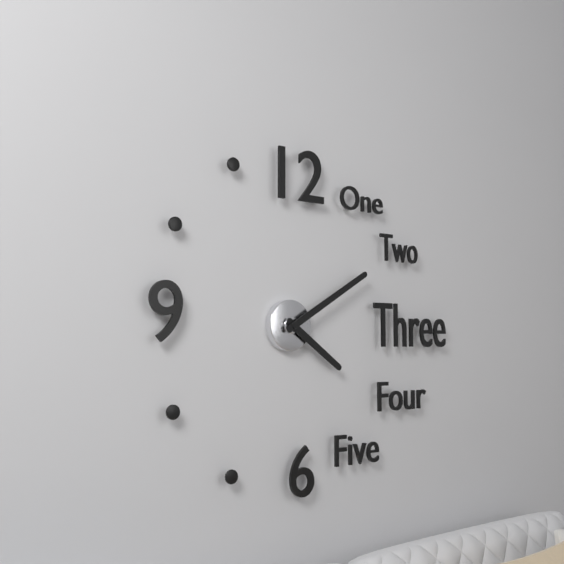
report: 4,10
